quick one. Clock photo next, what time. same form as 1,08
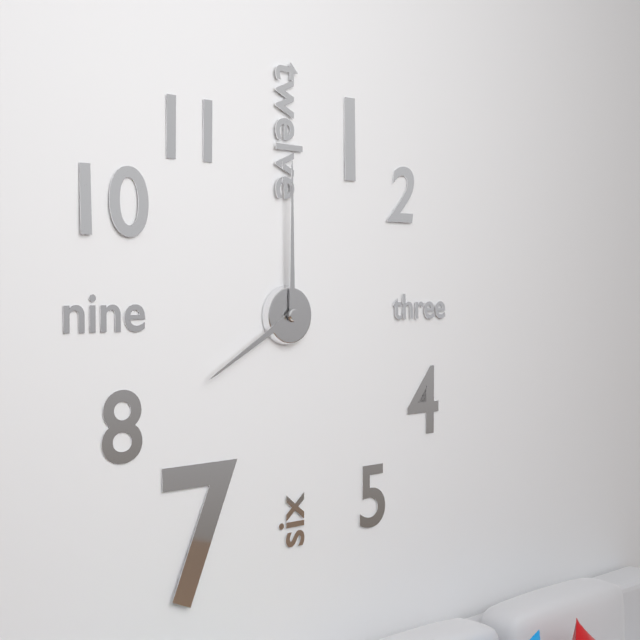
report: 8,00
